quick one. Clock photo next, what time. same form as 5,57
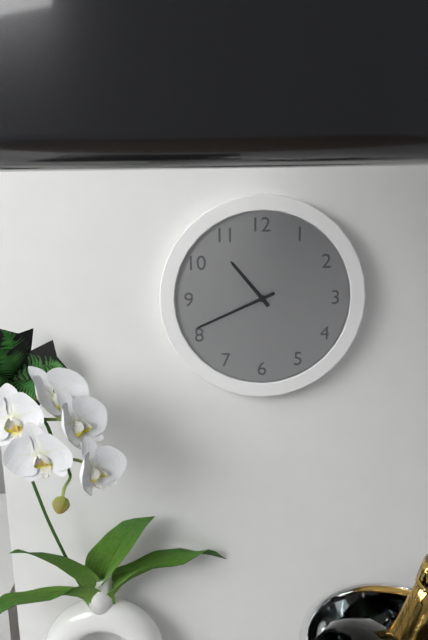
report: 10,41
